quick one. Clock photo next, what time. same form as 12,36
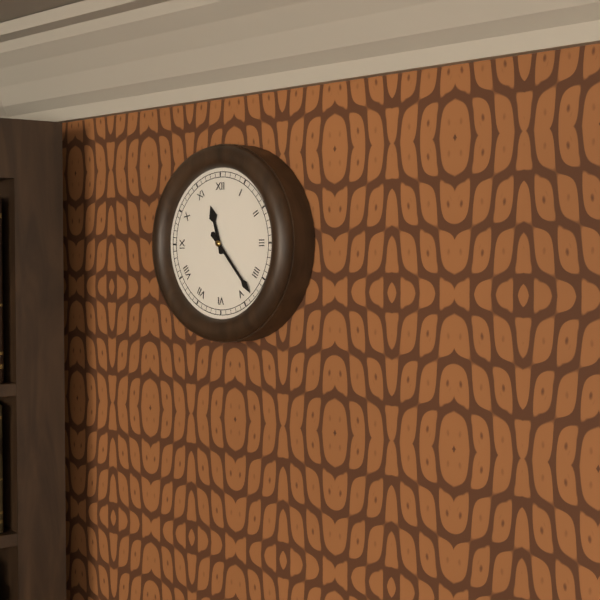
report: 11,23
